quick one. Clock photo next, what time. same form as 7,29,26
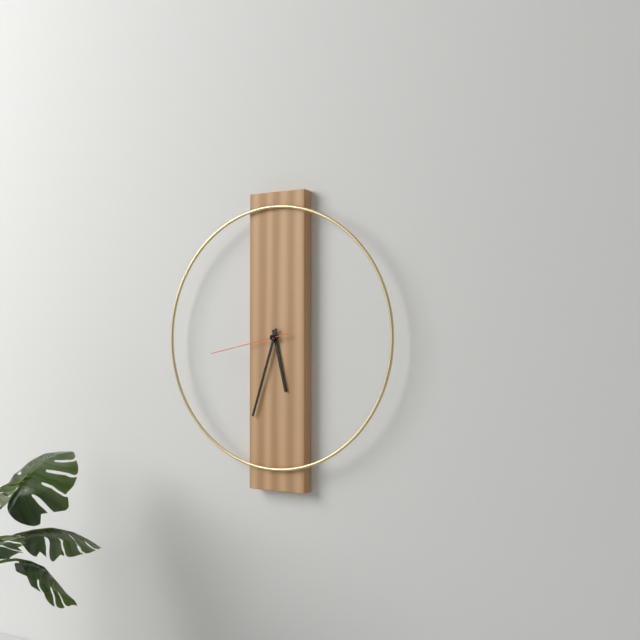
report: 5,33,43
